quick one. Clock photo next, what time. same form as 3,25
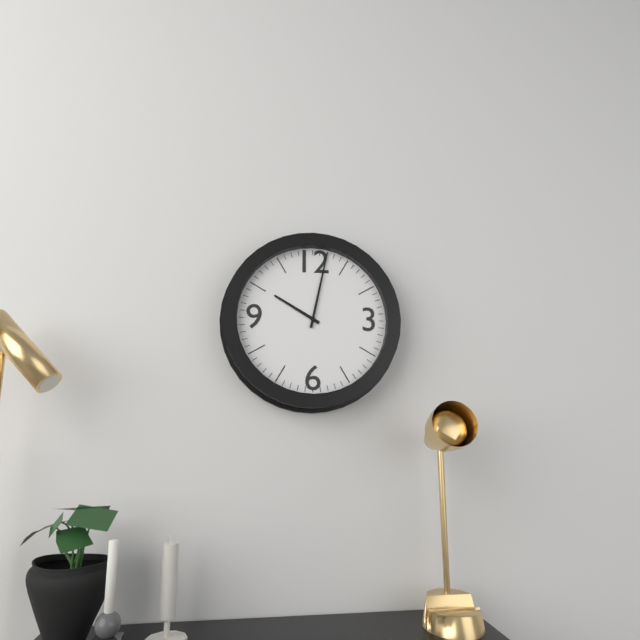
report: 10,02
